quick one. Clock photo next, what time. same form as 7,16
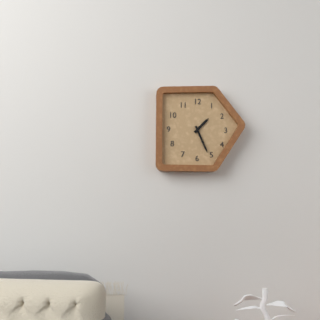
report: 1,26
